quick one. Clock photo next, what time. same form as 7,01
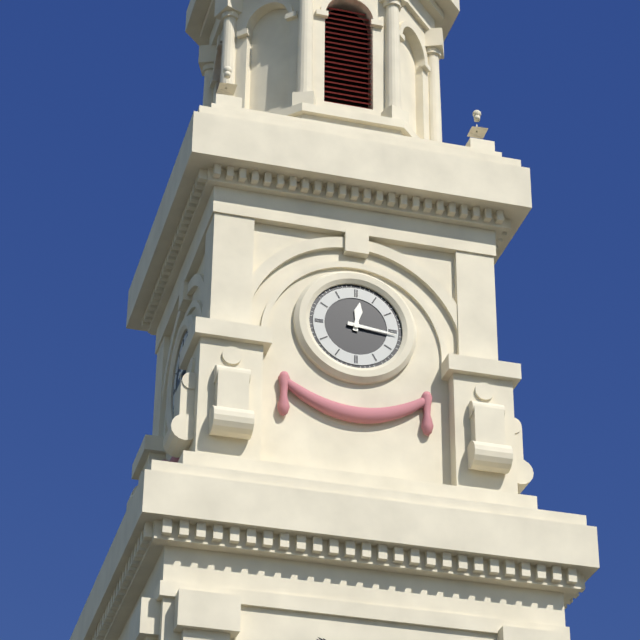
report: 12,16
